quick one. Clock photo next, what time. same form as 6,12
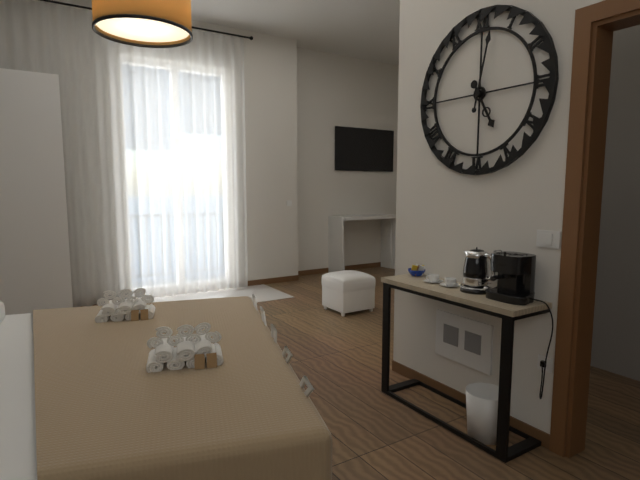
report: 5,02
